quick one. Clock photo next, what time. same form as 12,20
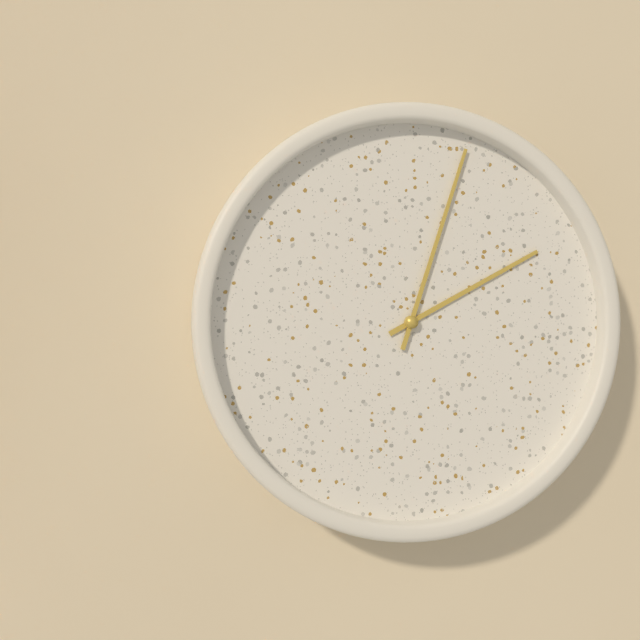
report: 2,03
